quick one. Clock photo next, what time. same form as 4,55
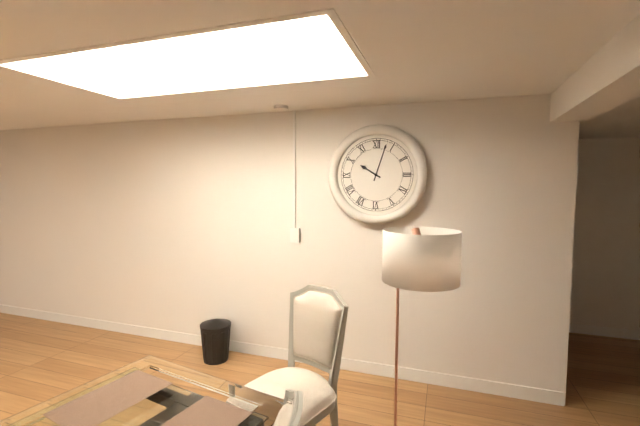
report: 10,03
